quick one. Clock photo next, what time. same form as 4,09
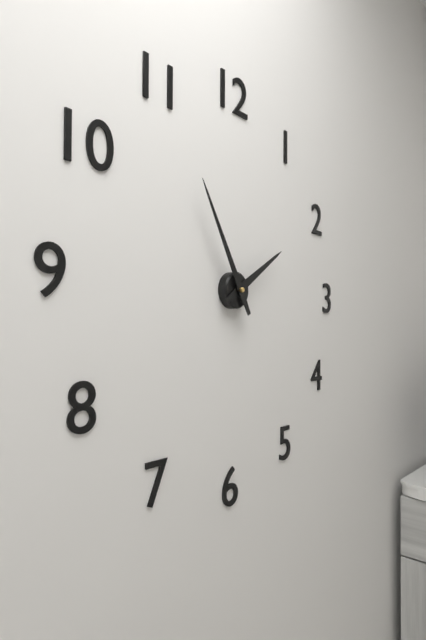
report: 1,55
